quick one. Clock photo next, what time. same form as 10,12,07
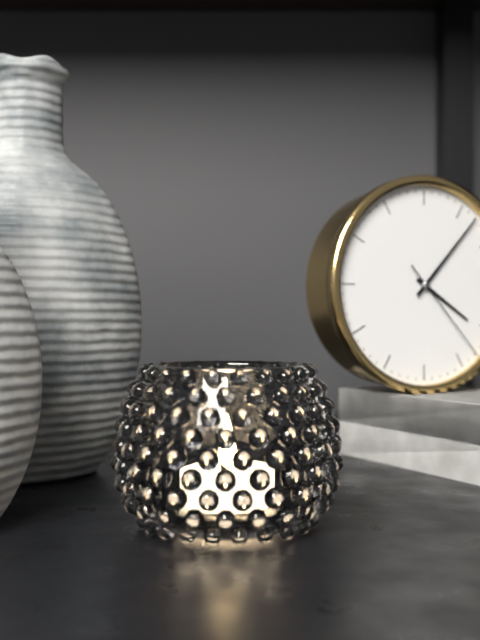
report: 4,07,23
